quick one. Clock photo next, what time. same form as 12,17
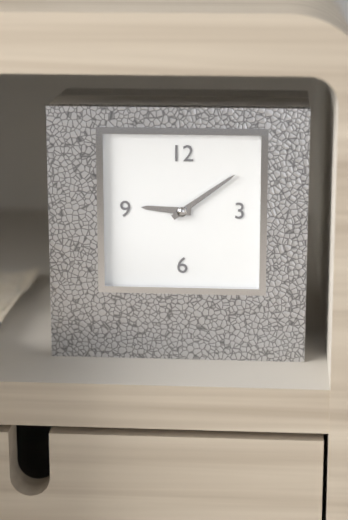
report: 9,09
